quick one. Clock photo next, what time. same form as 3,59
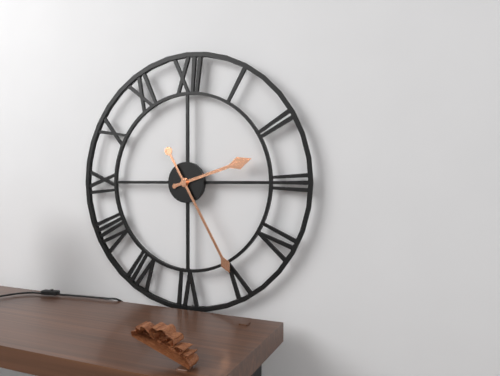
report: 2,25
